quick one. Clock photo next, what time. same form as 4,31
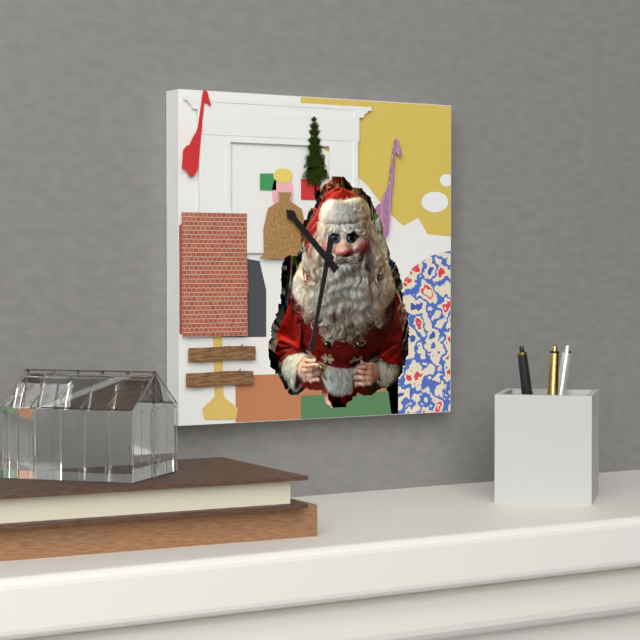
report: 10,32
